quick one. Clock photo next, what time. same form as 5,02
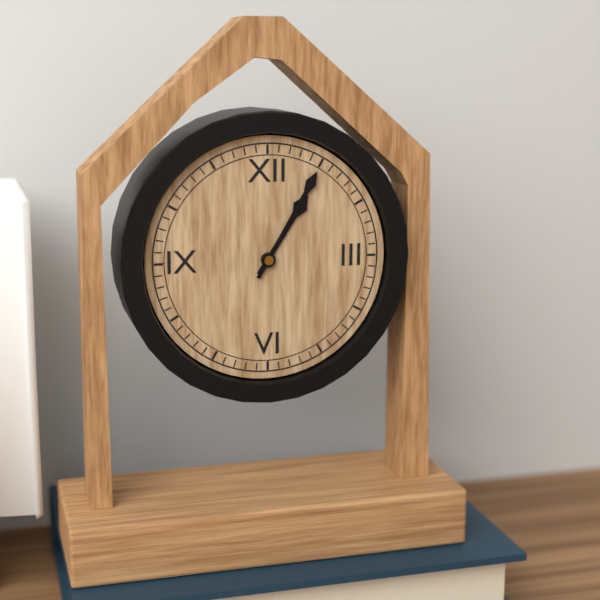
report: 1,05
